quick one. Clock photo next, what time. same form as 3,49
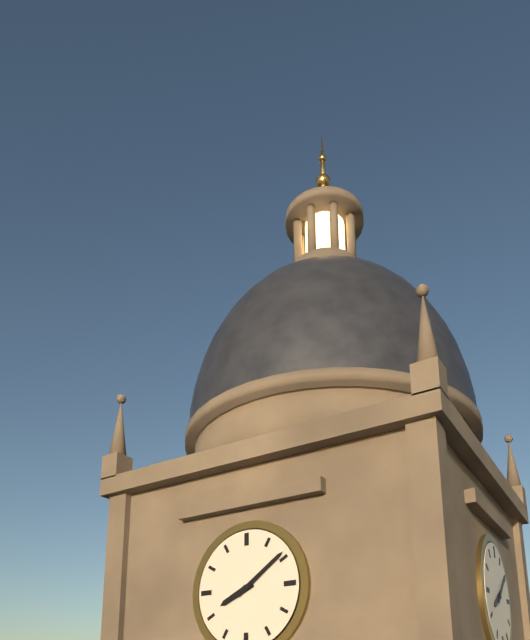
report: 8,09
